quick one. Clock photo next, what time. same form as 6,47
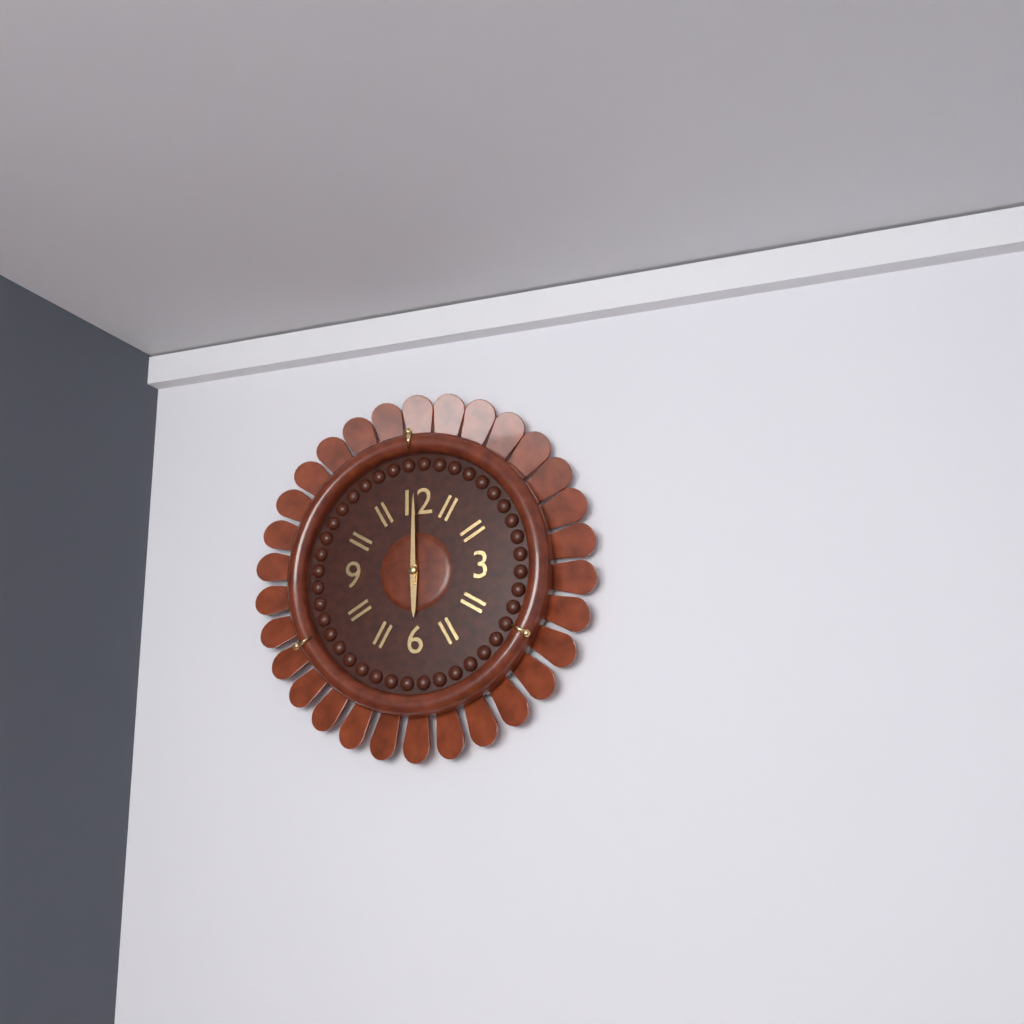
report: 6,00
